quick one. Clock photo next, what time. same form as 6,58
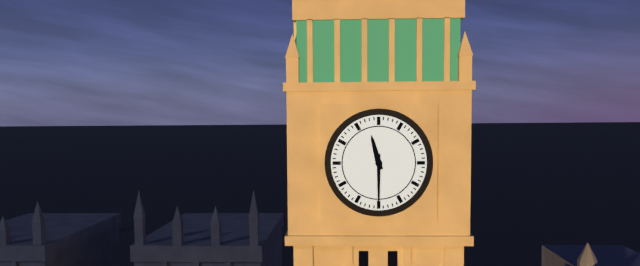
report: 11,30
